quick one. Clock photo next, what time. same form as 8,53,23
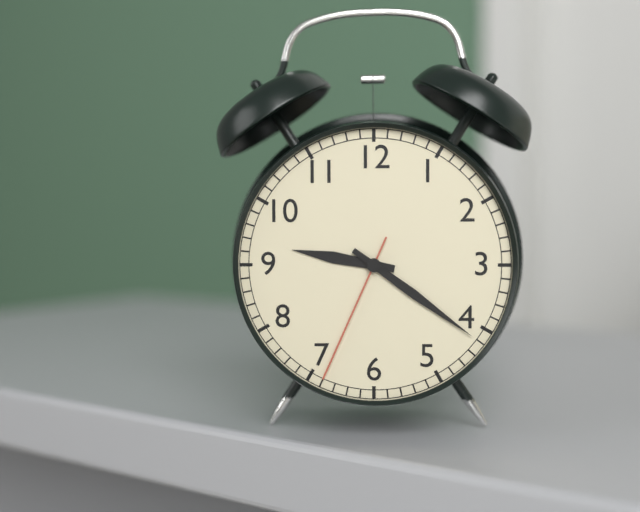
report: 9,21,34
